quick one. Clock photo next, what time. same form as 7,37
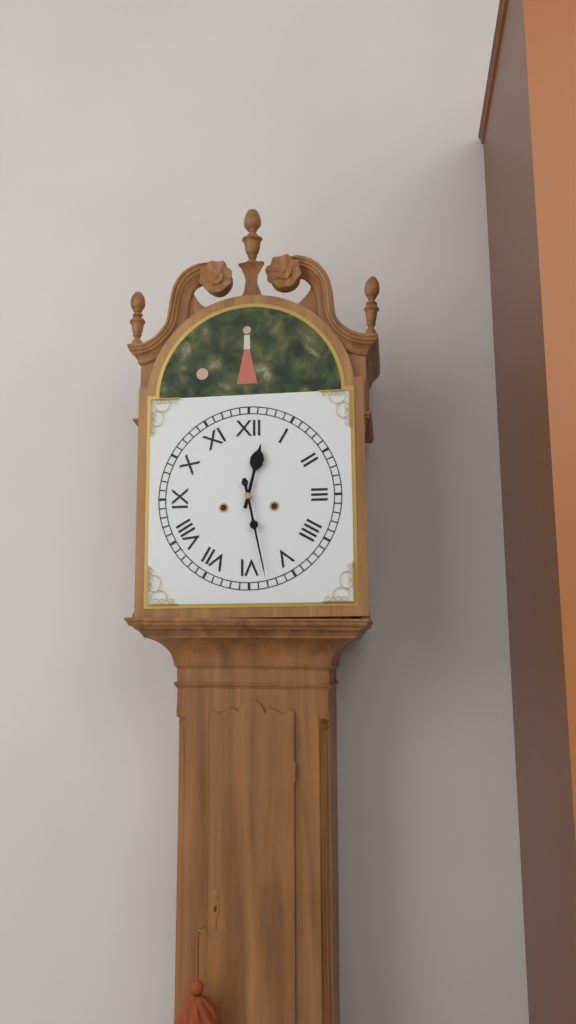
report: 12,28
